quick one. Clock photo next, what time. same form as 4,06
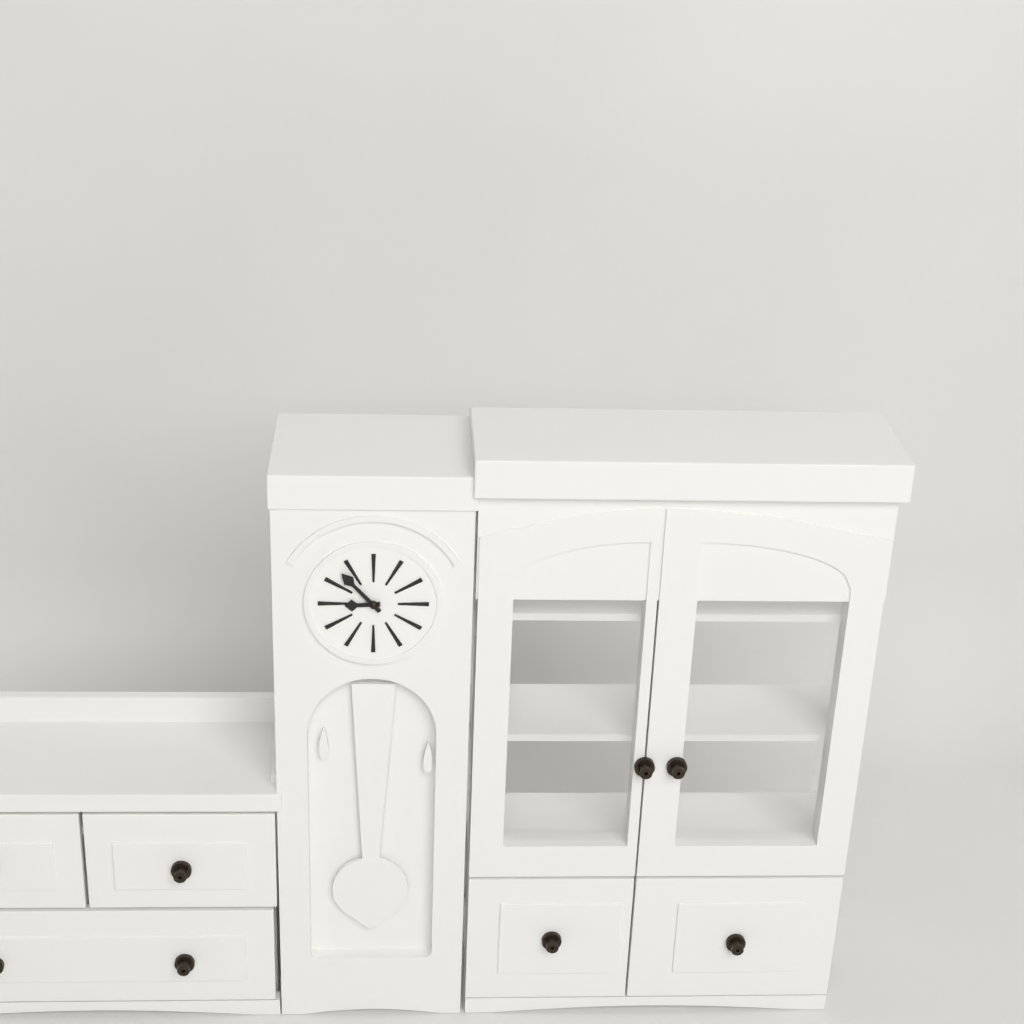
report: 8,53
